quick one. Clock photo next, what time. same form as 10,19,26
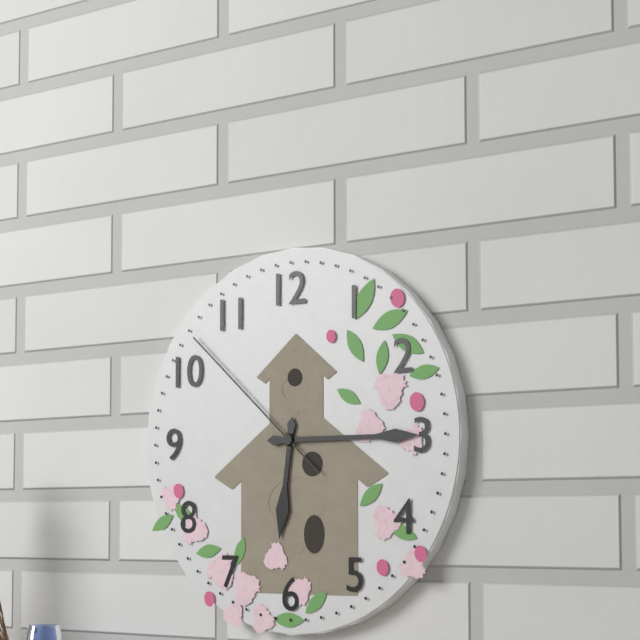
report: 6,15,52
